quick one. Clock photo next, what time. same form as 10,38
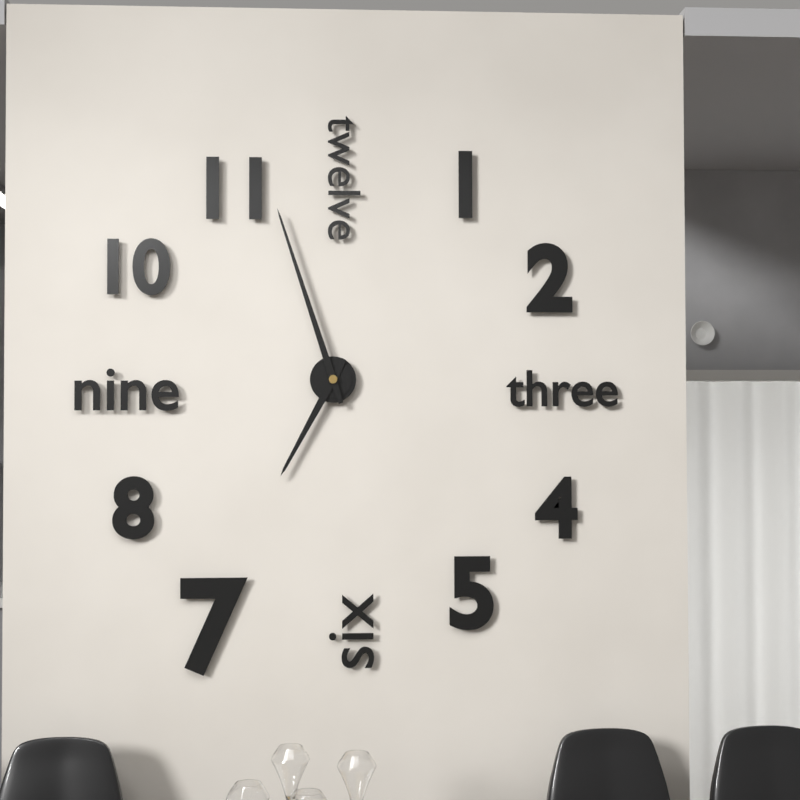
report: 6,57
